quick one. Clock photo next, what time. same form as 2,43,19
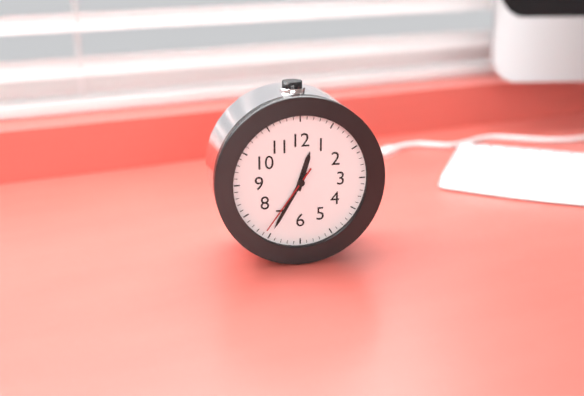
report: 12,35,36
